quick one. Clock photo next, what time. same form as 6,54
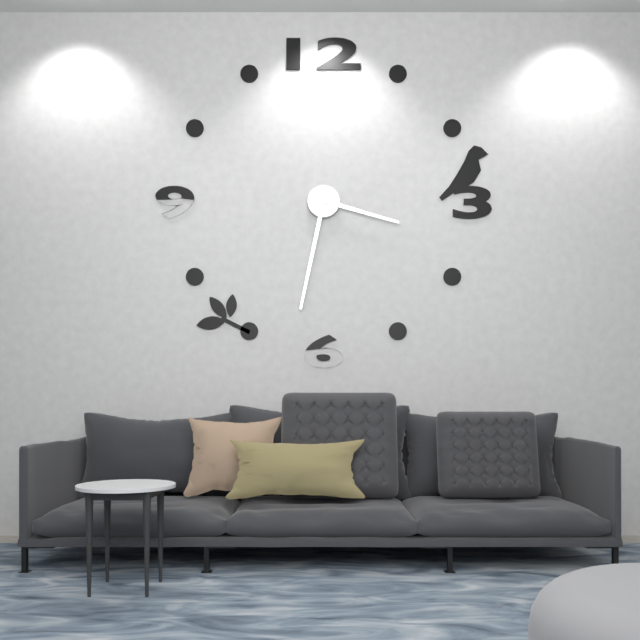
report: 3,32
